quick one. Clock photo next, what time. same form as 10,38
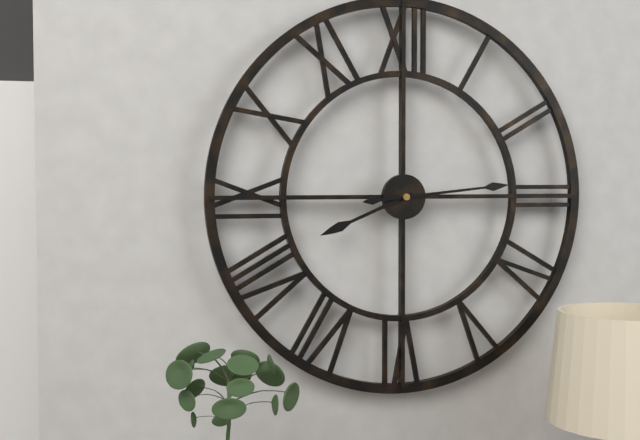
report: 8,14
